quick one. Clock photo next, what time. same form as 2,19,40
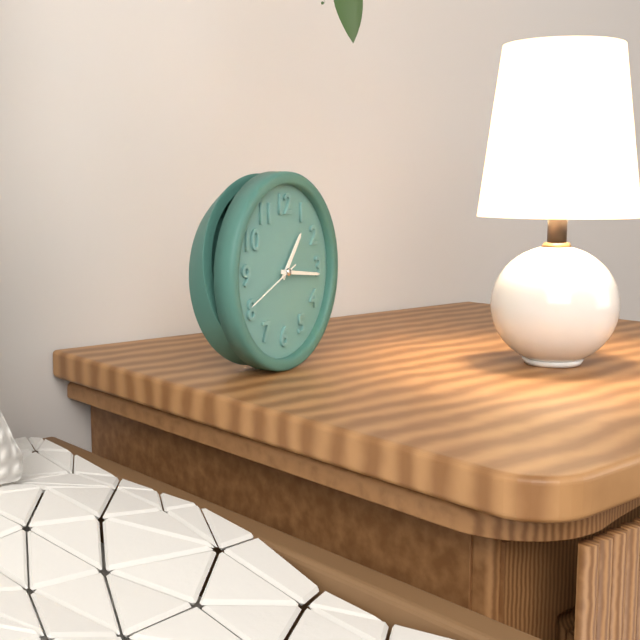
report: 1,16,41
